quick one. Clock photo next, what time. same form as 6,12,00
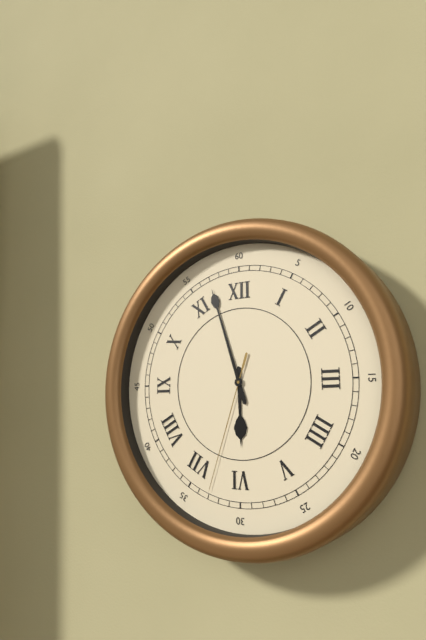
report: 5,57,33
